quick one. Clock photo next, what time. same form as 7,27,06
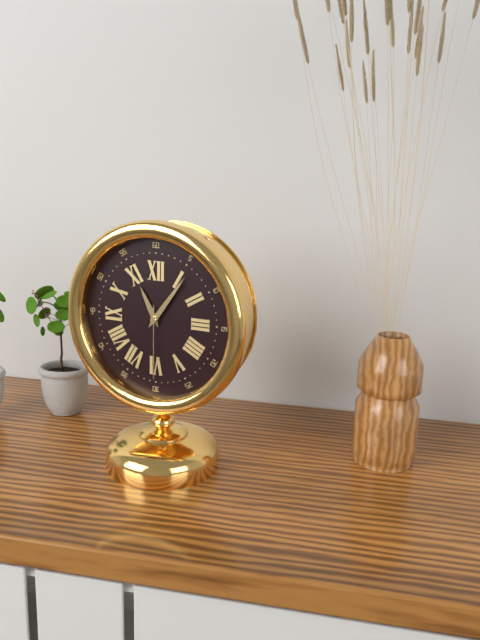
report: 11,06,30
